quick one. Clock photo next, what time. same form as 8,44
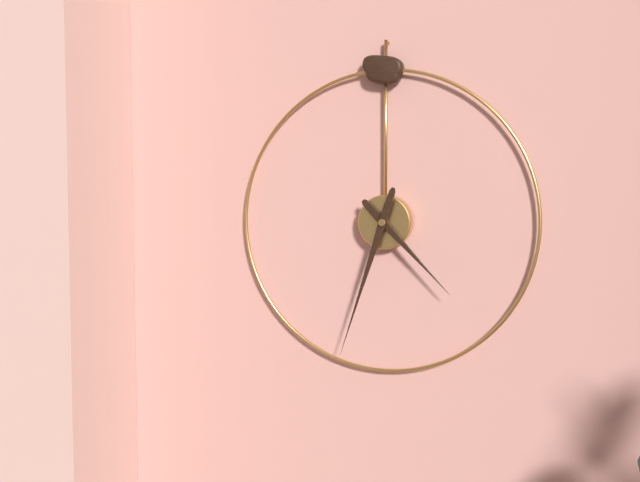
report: 4,33
